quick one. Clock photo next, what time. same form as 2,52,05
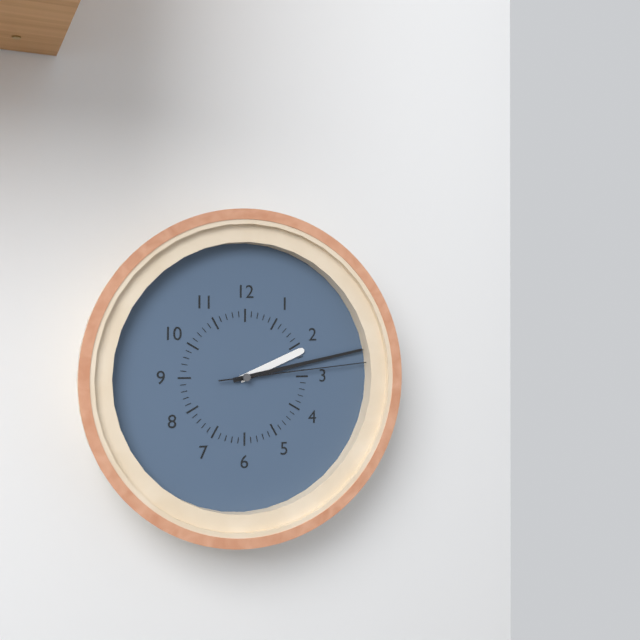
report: 2,13,14
